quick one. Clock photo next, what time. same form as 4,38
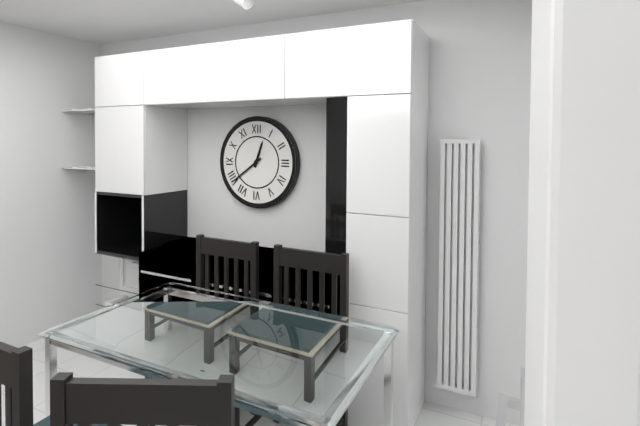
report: 12,39
